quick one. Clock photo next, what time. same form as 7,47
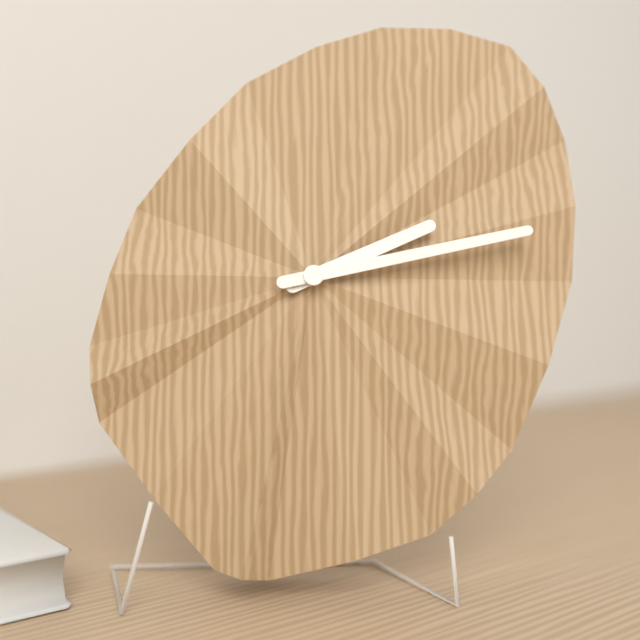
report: 2,13
